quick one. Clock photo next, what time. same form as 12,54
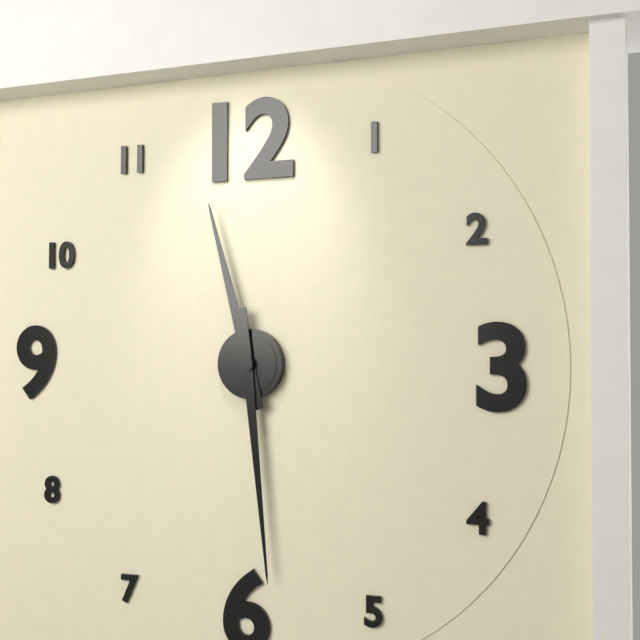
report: 11,29
